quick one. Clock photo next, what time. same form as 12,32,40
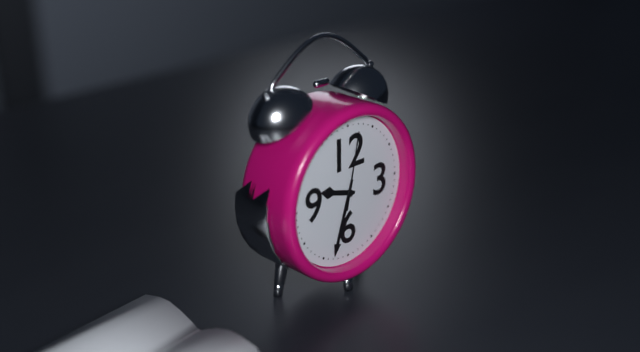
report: 9,33,02
